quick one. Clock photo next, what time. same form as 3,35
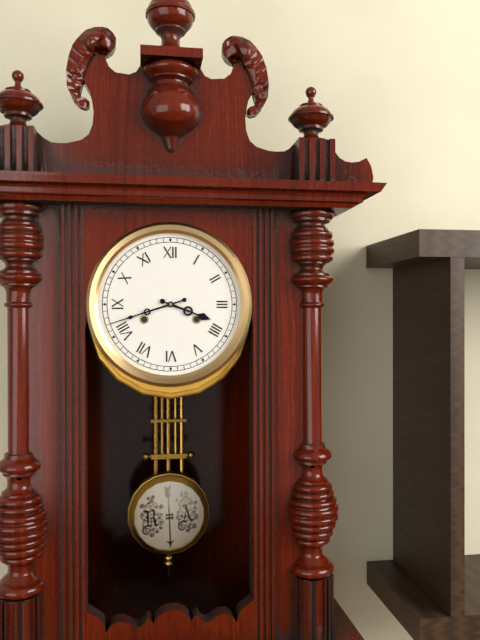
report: 3,42
